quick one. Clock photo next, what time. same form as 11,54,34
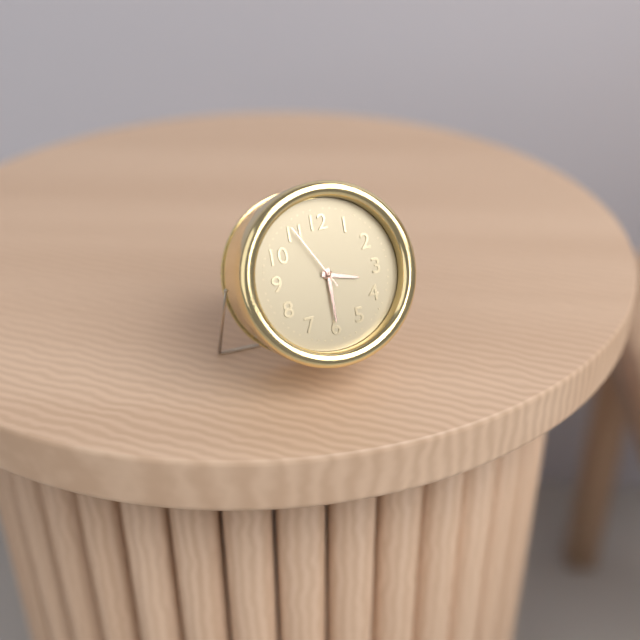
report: 3,30,55
